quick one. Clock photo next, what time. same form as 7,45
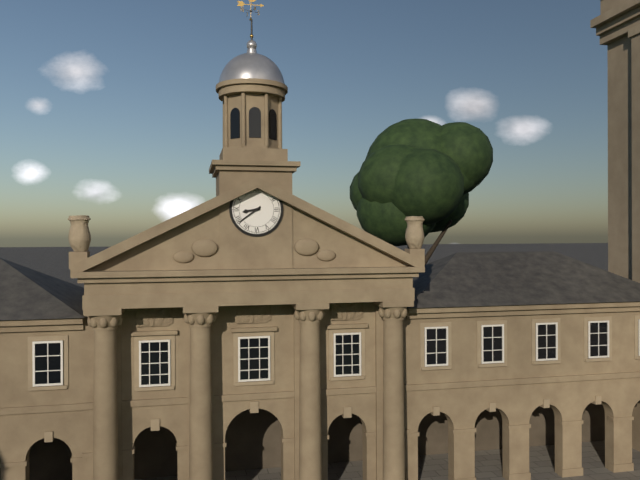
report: 8,39
